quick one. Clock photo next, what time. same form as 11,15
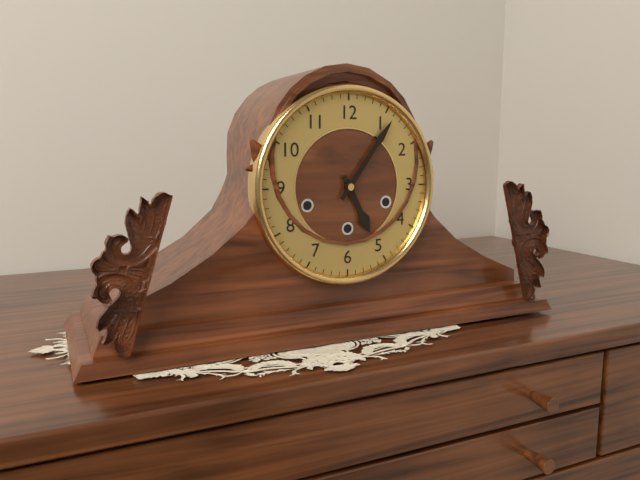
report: 5,06
